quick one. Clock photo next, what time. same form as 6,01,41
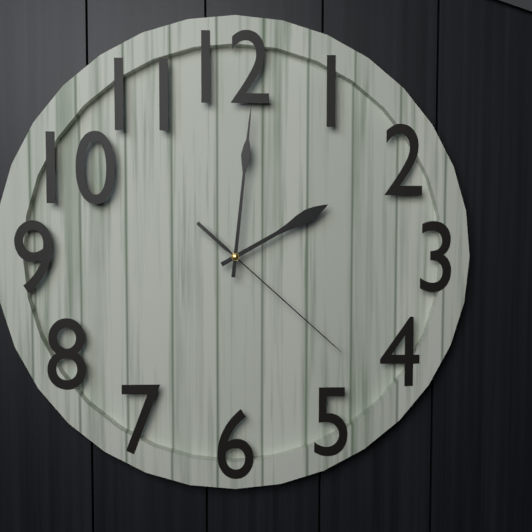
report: 2,01,22
